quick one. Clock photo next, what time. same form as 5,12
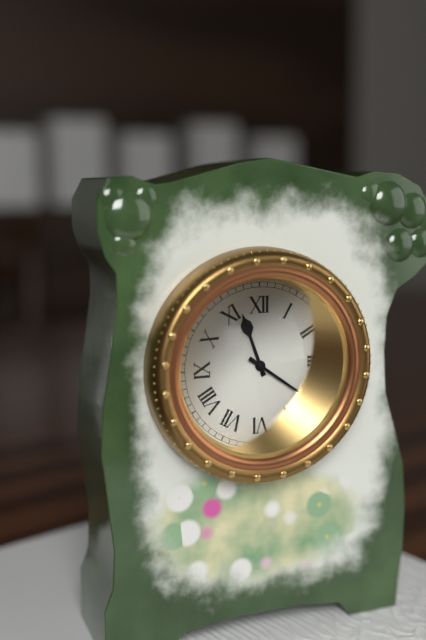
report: 11,21
